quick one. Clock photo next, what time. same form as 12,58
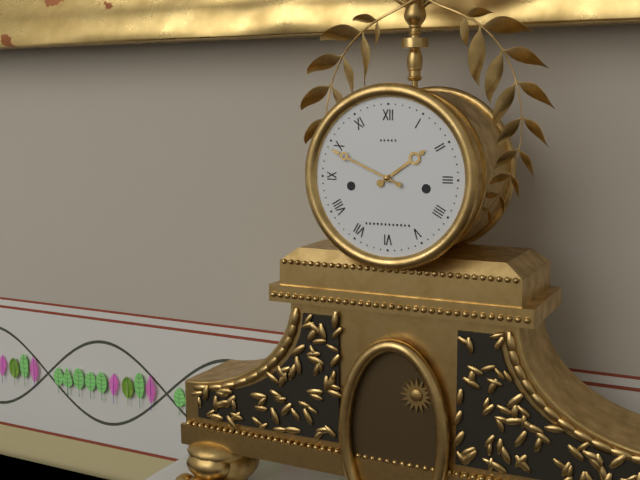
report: 1,49
